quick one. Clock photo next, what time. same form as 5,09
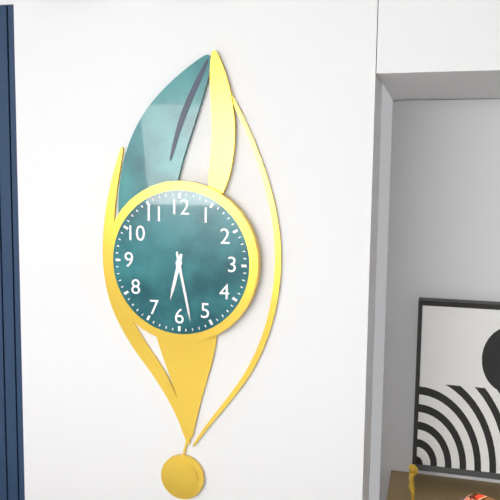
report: 6,28
